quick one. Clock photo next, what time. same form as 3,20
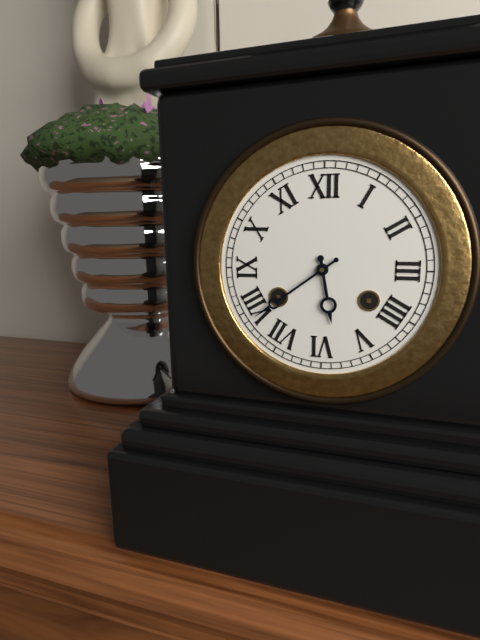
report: 5,39
